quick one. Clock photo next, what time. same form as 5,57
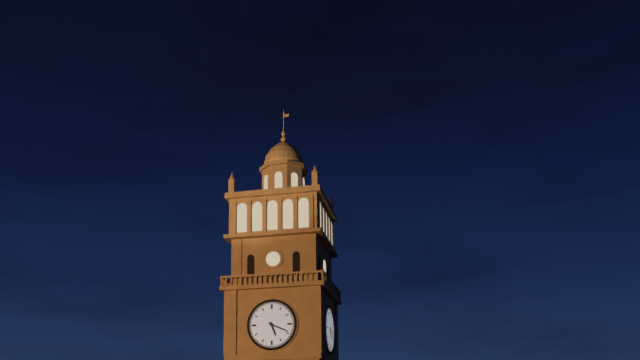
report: 5,19
